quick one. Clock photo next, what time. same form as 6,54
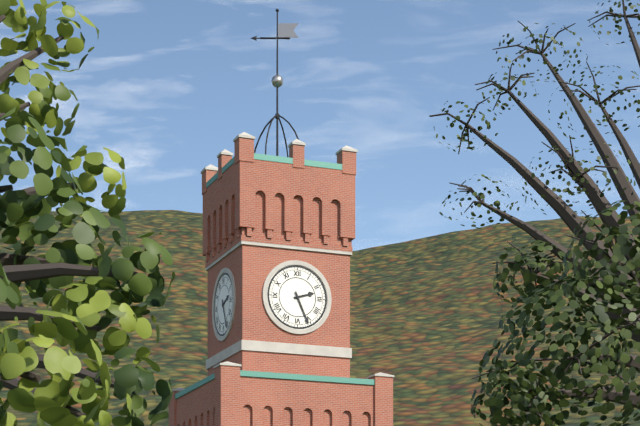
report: 2,26
